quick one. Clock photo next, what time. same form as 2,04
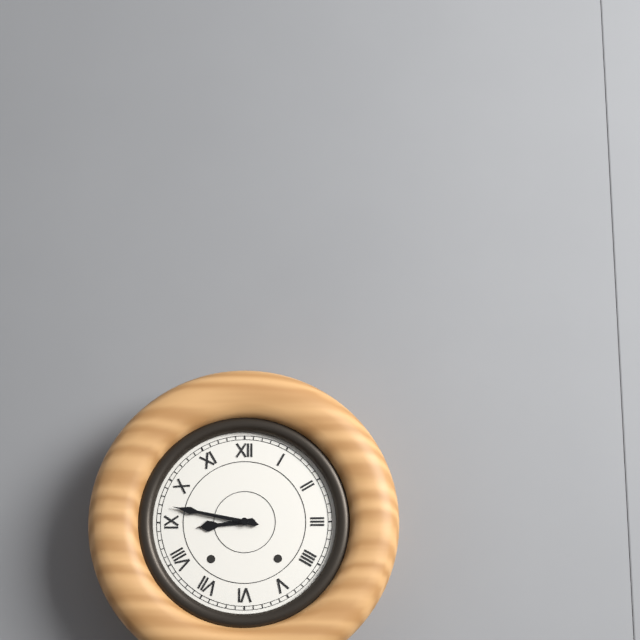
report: 8,47
